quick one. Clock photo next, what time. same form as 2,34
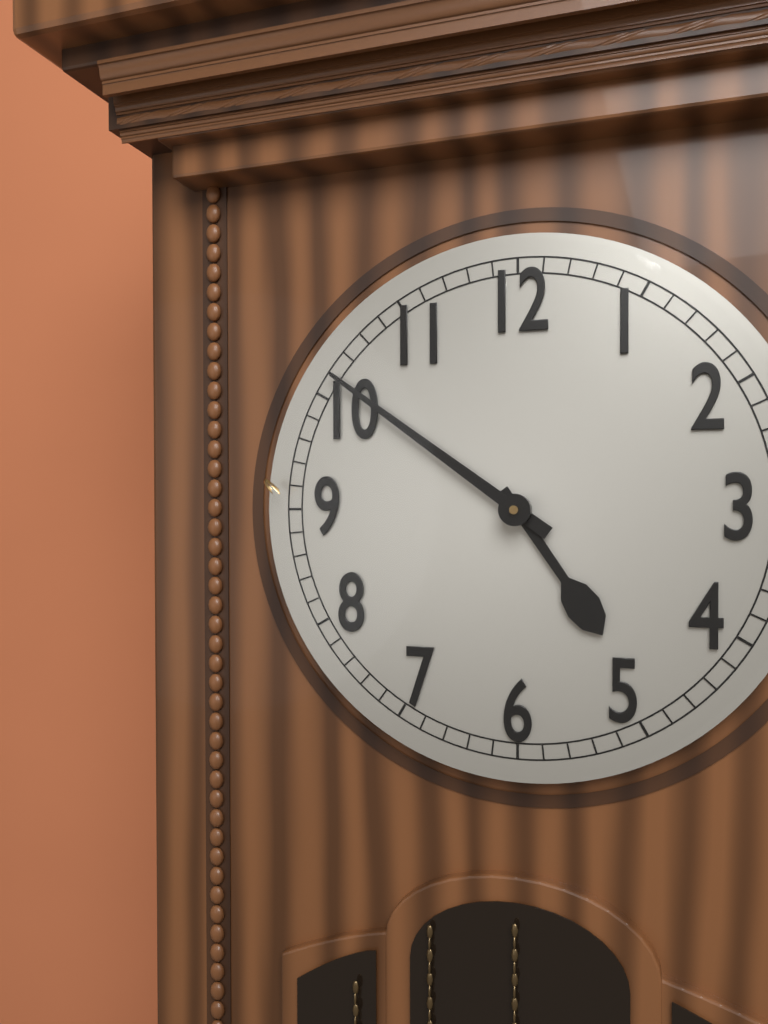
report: 4,51
